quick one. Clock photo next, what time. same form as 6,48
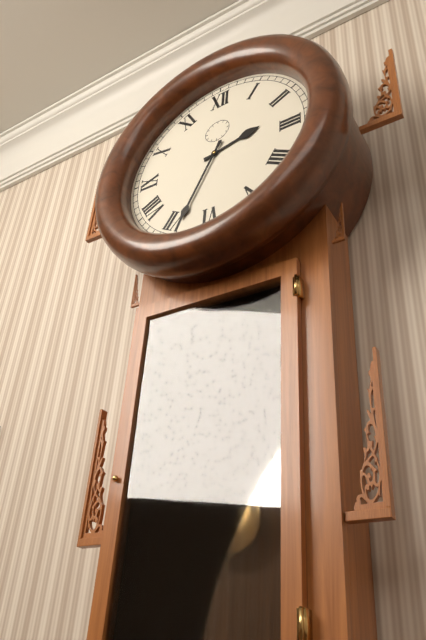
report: 2,34
